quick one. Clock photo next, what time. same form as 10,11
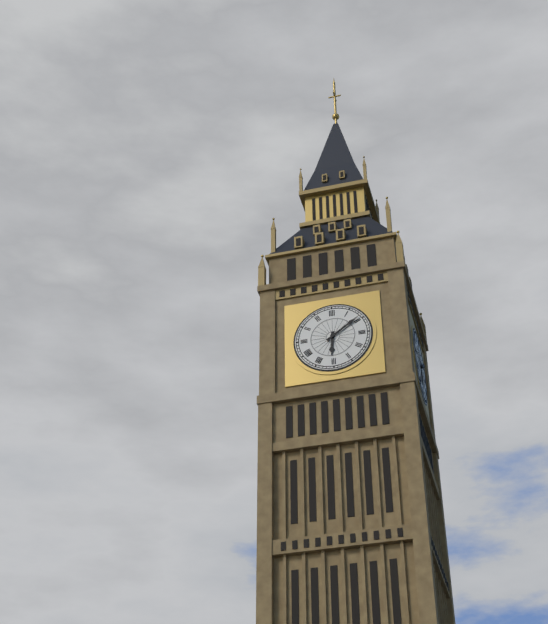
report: 6,09
